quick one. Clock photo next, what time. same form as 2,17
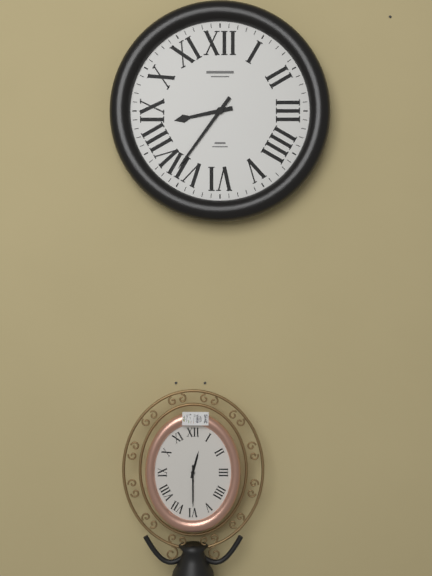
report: 8,36
